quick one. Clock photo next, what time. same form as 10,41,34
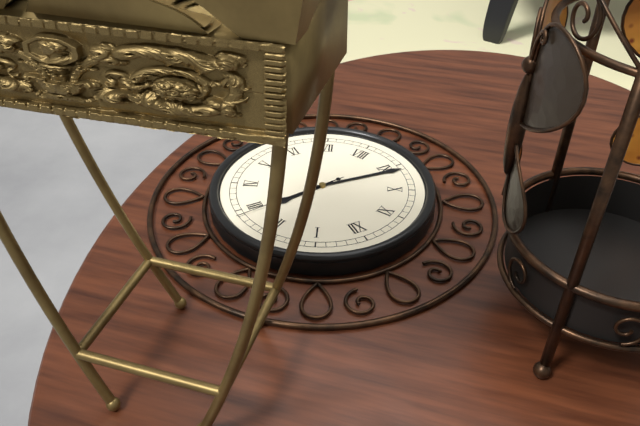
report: 2,46,14
